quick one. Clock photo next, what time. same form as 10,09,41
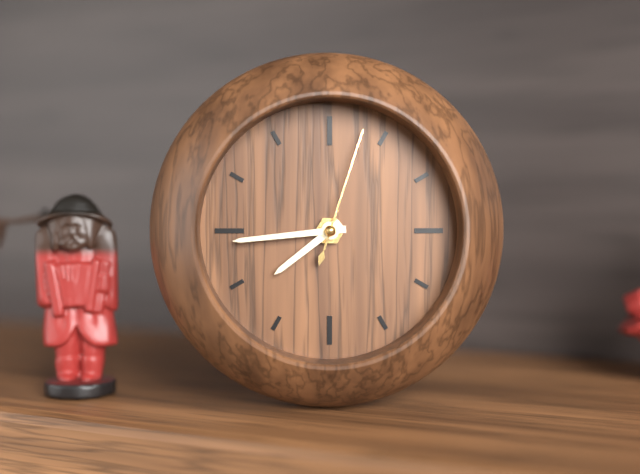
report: 7,44,03
